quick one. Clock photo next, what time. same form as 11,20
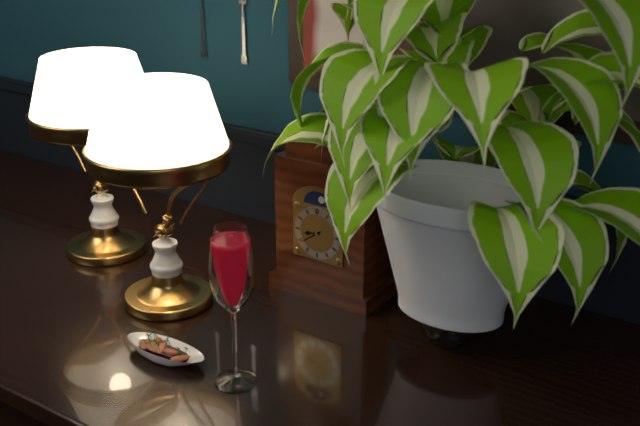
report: 8,39
